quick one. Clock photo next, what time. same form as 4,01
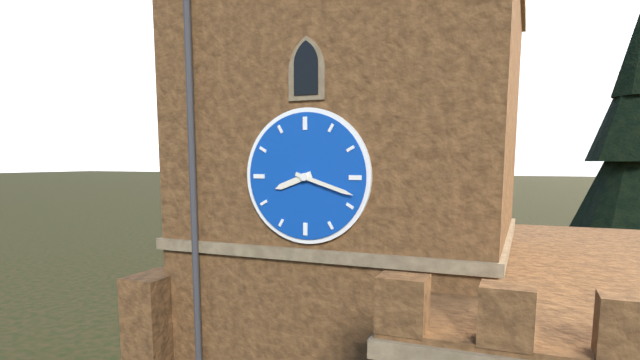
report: 8,18
